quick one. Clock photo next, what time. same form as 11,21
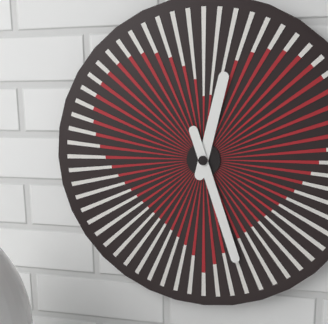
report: 12,27
